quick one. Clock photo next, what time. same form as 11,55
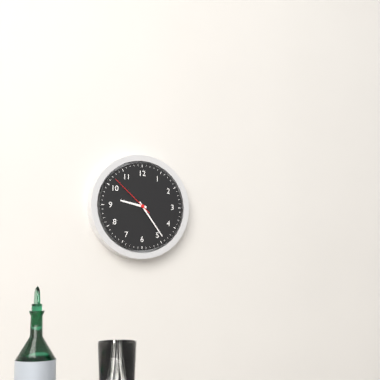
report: 9,24
